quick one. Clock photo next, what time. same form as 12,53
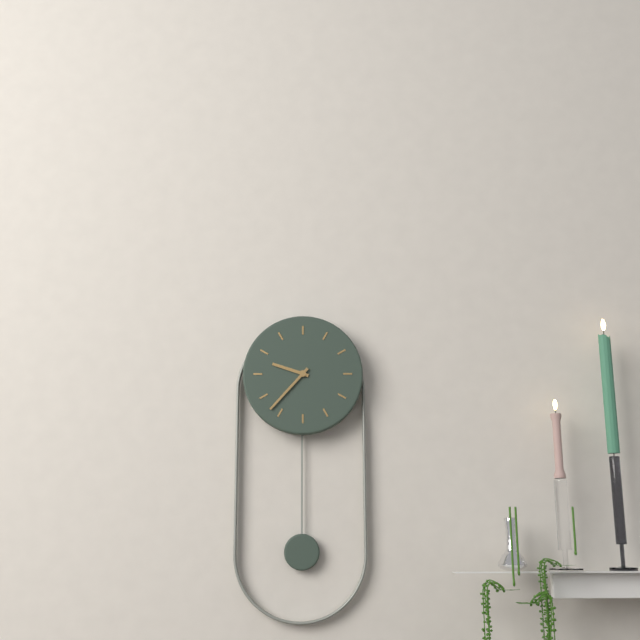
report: 9,37
